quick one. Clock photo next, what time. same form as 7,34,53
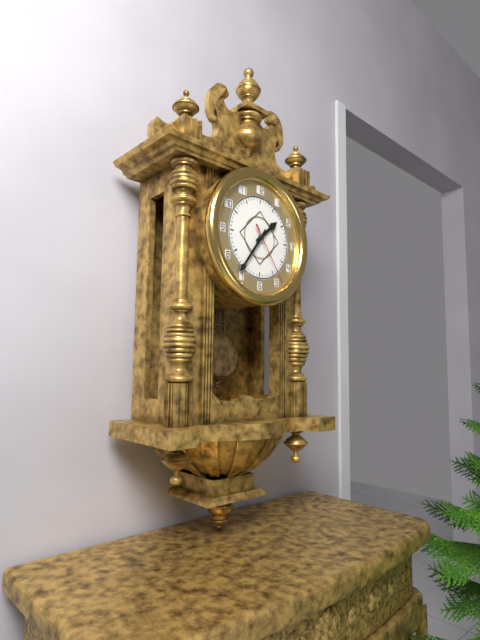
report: 1,36,24
